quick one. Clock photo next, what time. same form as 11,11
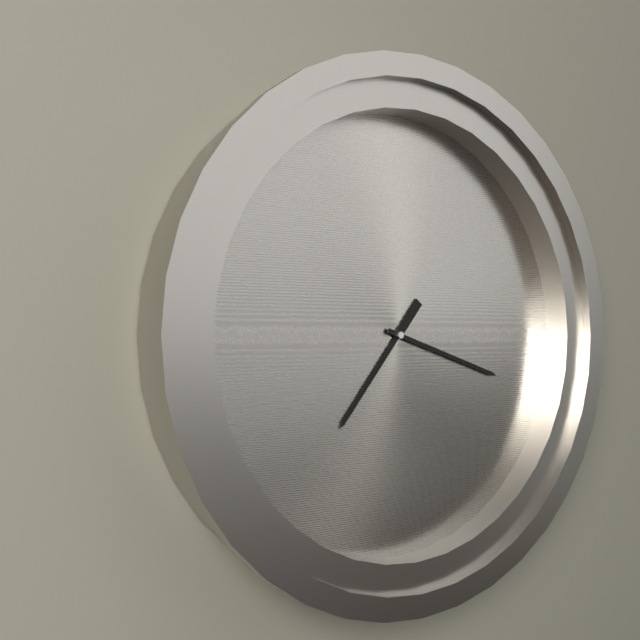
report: 7,18
